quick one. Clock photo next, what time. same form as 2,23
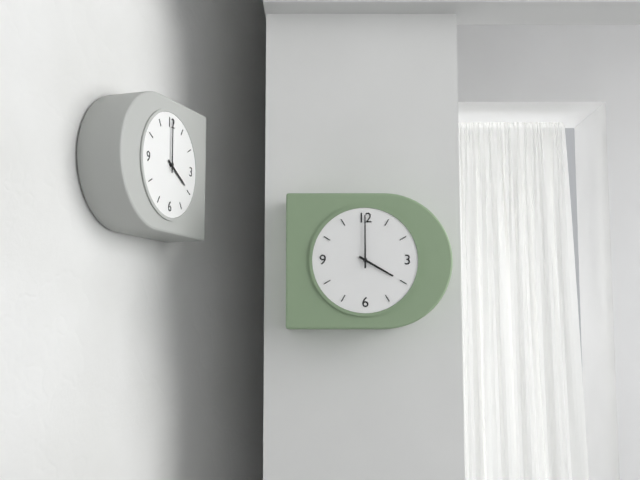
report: 4,00
